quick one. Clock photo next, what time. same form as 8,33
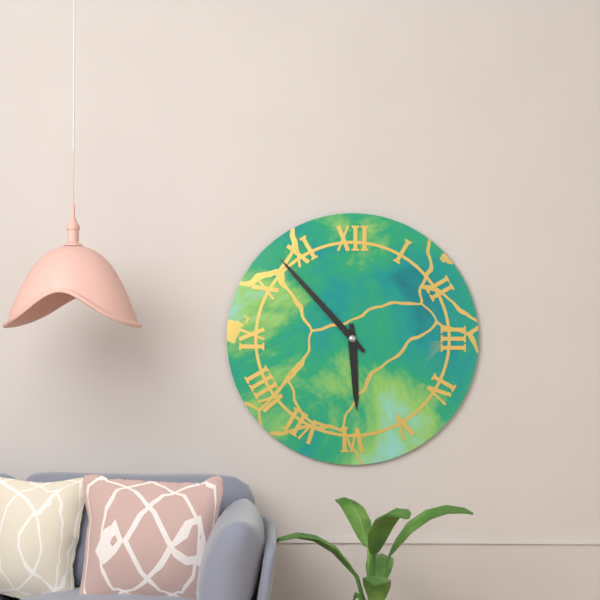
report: 5,53
